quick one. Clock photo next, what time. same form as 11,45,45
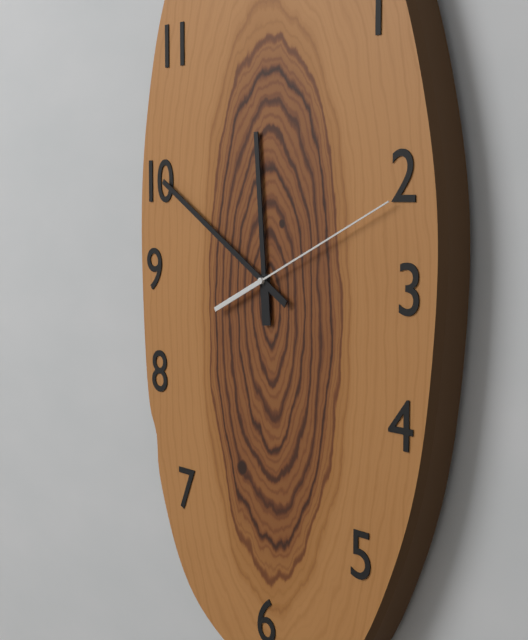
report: 11,50,11
